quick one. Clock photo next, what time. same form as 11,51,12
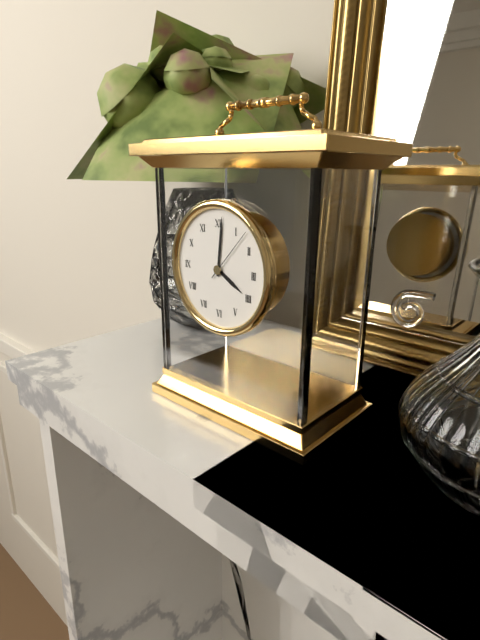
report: 4,01,07
